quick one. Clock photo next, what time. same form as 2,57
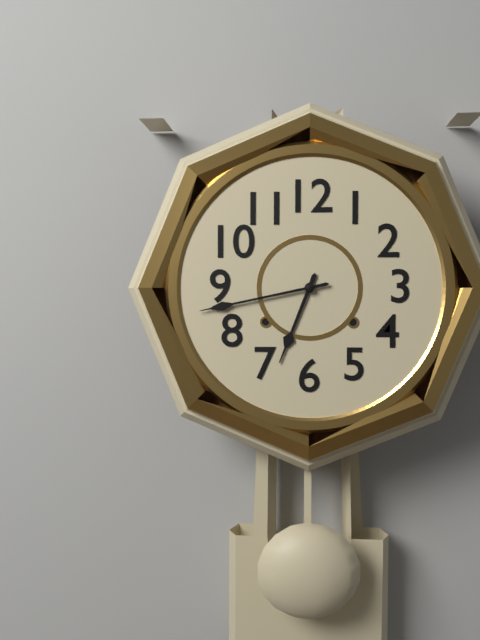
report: 6,43
